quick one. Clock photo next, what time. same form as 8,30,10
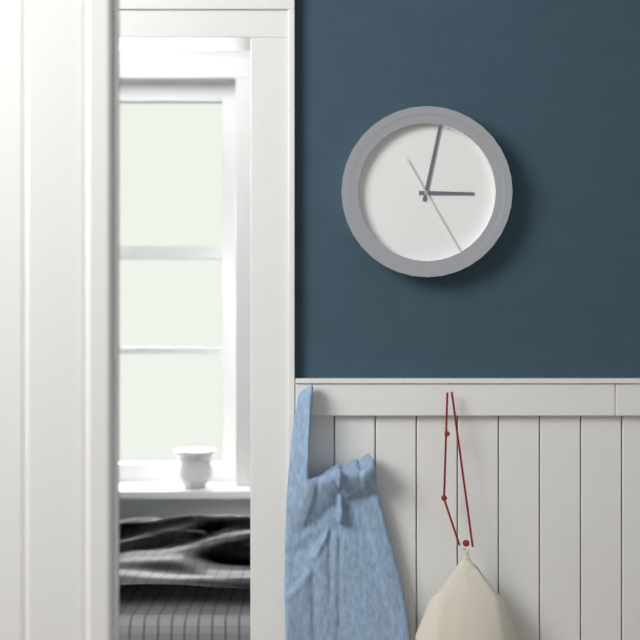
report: 3,02,25
